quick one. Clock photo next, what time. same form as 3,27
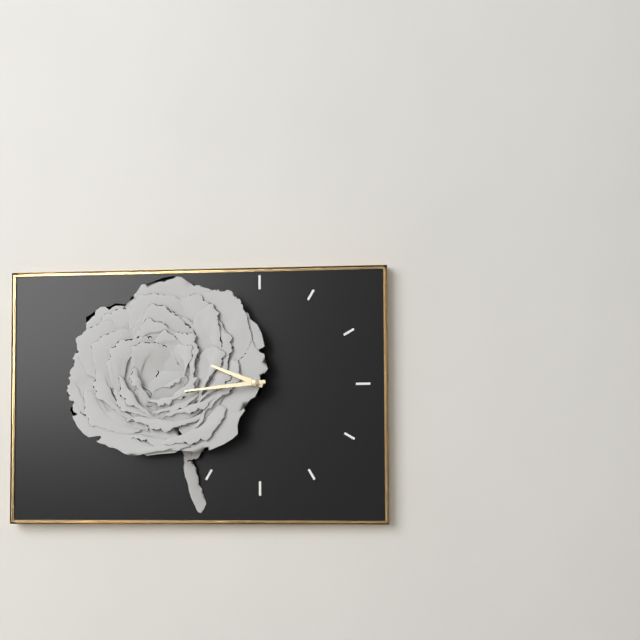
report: 9,44
